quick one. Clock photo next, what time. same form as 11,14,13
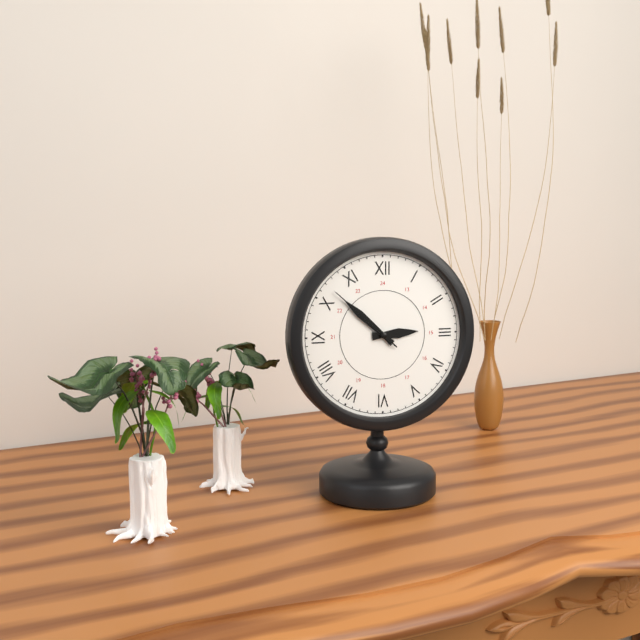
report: 2,52,52
